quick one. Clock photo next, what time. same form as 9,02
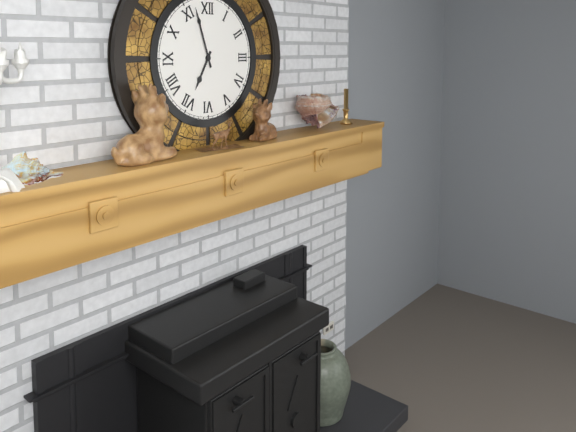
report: 6,57
